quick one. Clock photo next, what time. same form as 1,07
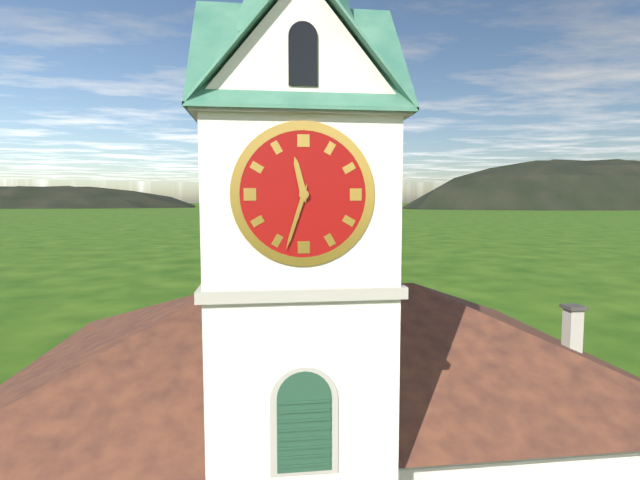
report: 11,33
